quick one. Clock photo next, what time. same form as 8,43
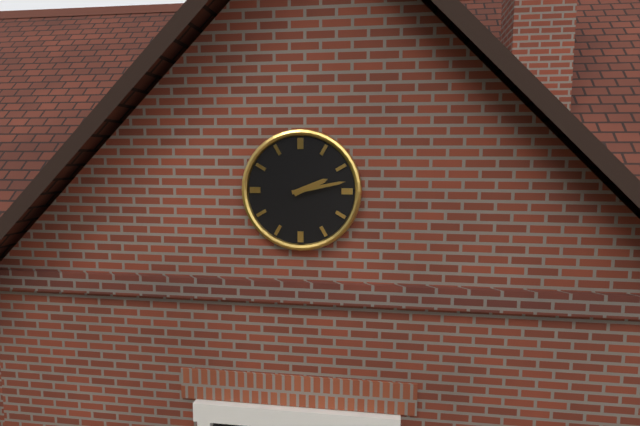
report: 2,13
